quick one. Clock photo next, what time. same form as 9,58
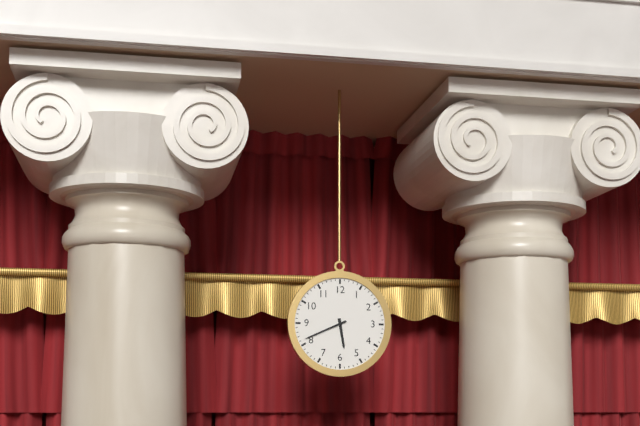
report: 5,41
